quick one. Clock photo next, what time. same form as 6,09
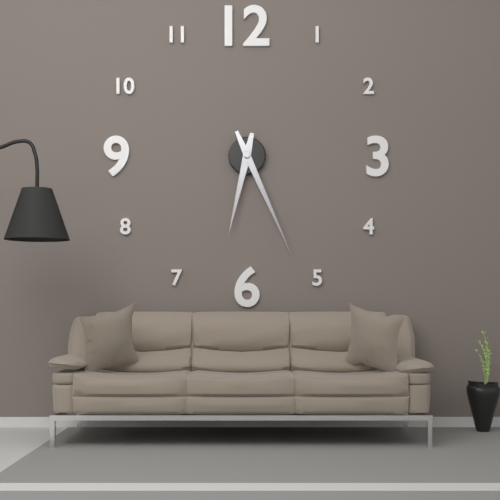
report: 6,26
